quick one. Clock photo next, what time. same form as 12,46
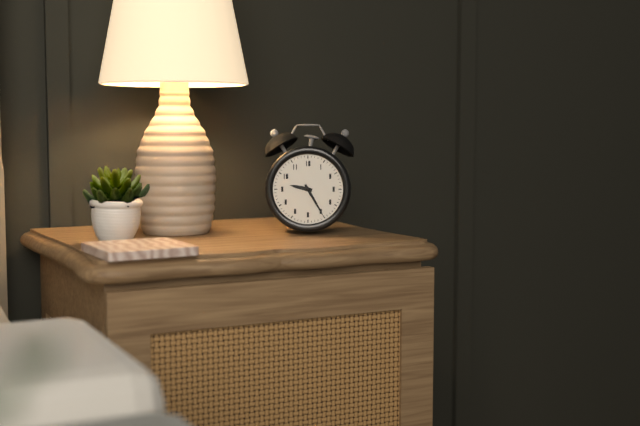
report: 9,25
